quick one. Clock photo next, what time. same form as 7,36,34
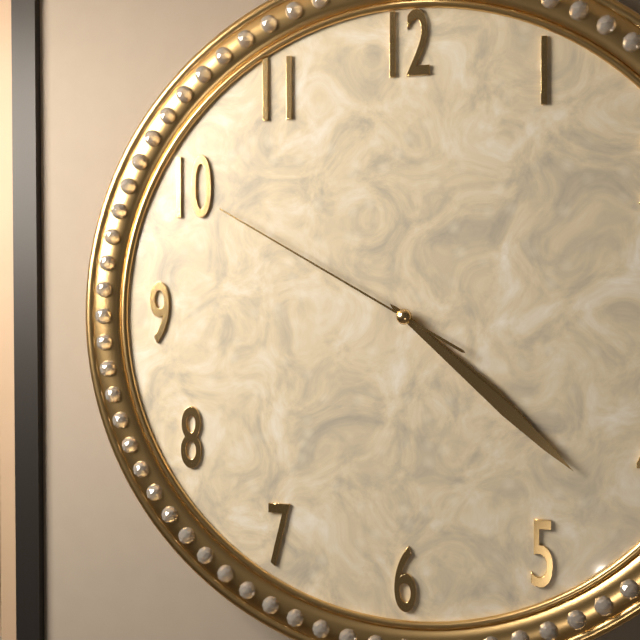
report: 4,22,50
